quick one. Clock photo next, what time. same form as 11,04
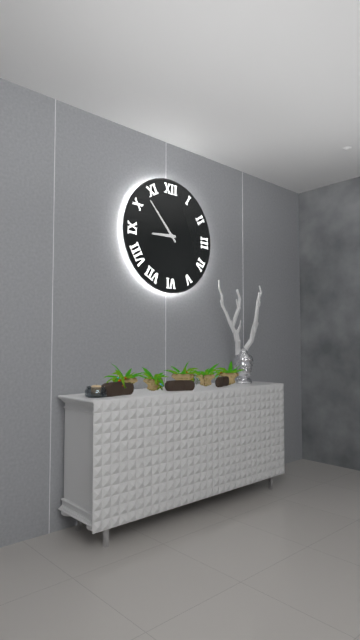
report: 8,53
